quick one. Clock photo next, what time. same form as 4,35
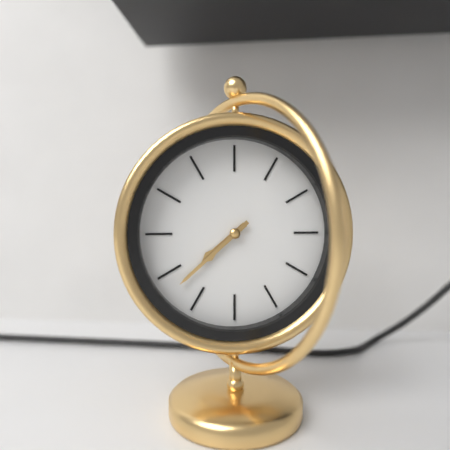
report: 7,38
